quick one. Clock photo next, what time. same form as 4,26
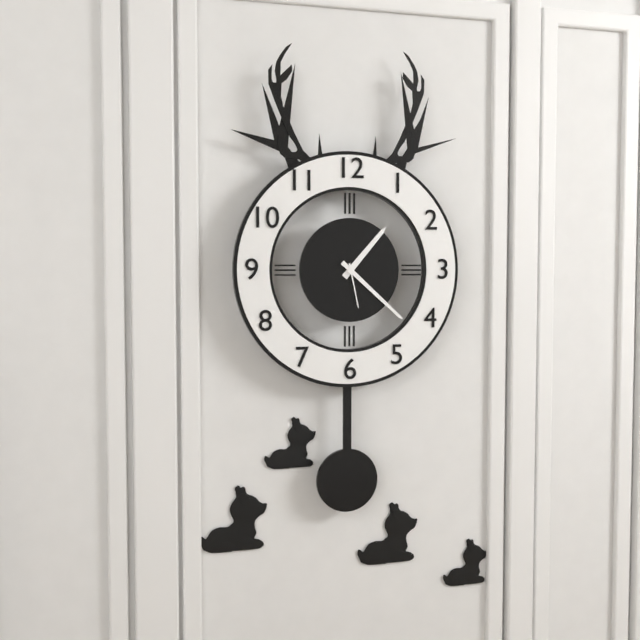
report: 1,22
